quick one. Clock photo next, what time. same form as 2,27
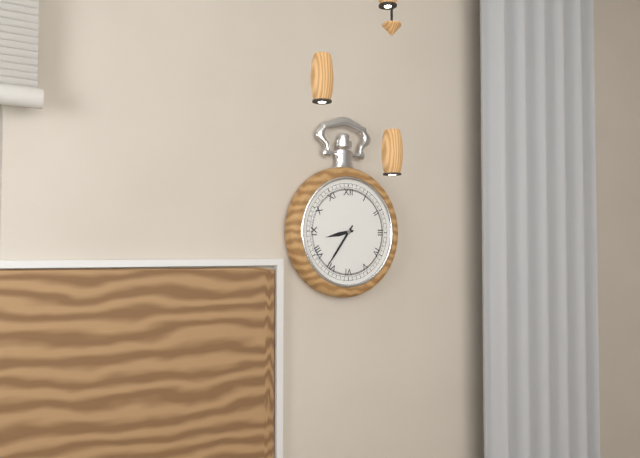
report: 8,36
